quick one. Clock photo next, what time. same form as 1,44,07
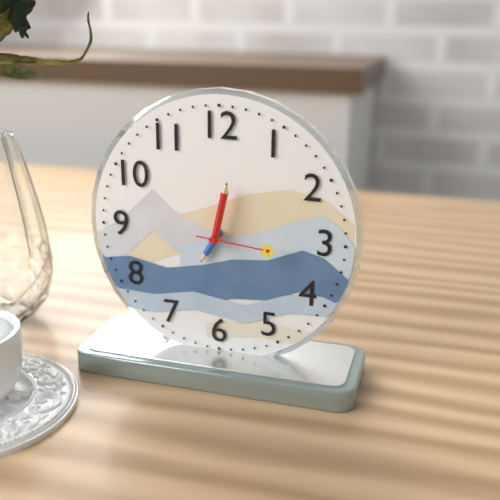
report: 7,02,16
